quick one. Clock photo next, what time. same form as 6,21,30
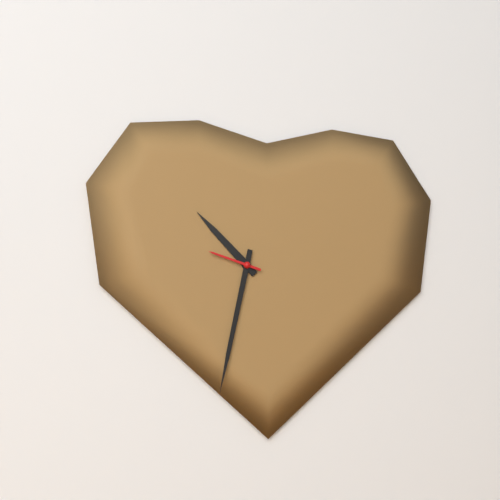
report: 10,32,48
